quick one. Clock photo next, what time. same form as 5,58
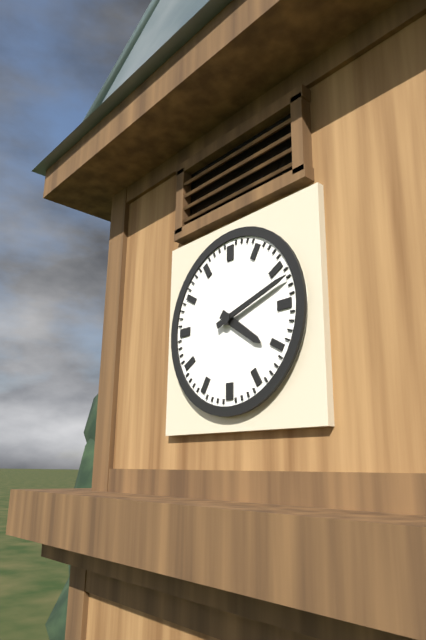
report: 4,12
